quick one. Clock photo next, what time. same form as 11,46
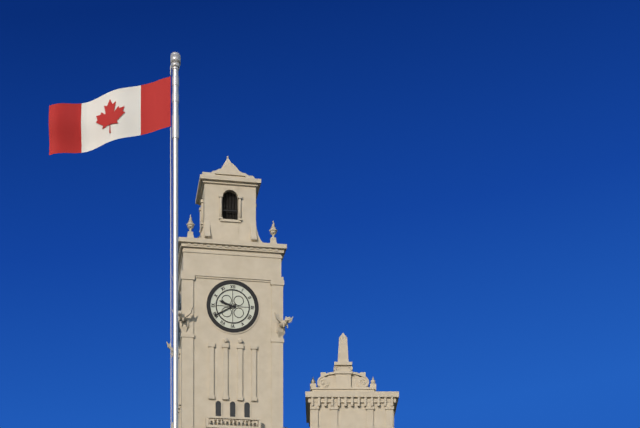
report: 9,40
